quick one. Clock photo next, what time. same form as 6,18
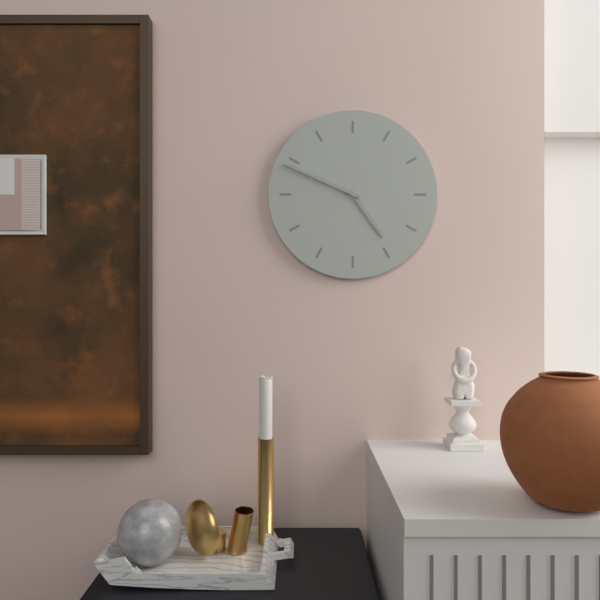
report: 4,49
